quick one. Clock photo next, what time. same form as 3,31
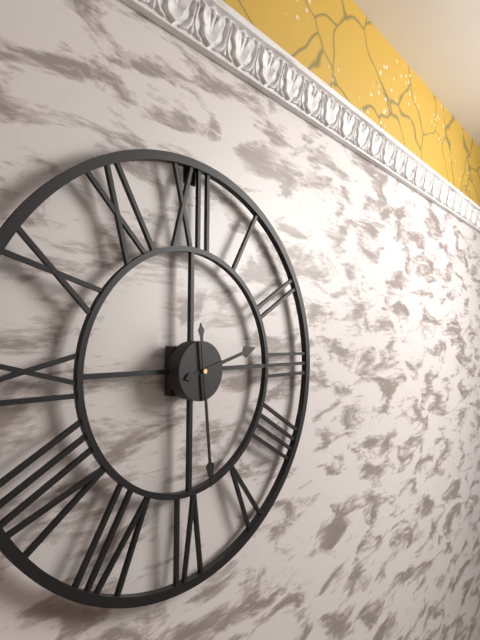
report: 2,29
